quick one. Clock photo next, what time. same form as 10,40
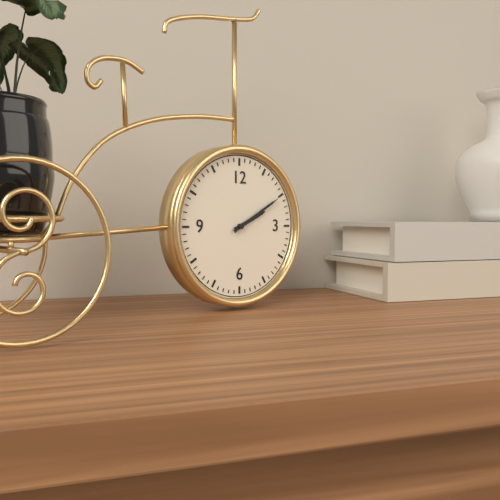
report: 2,10
